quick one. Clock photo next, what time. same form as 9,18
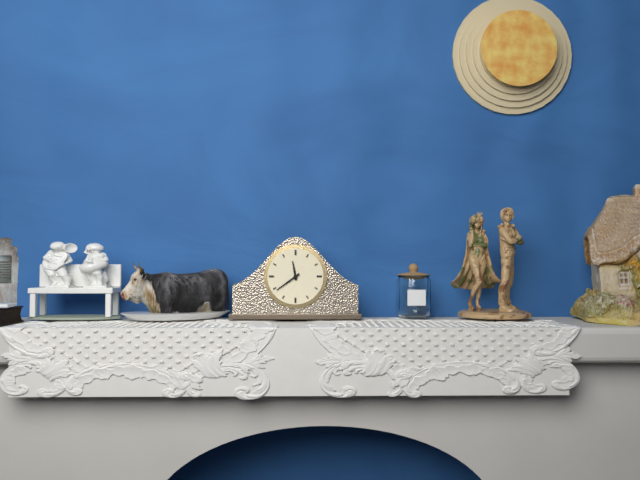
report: 11,39
